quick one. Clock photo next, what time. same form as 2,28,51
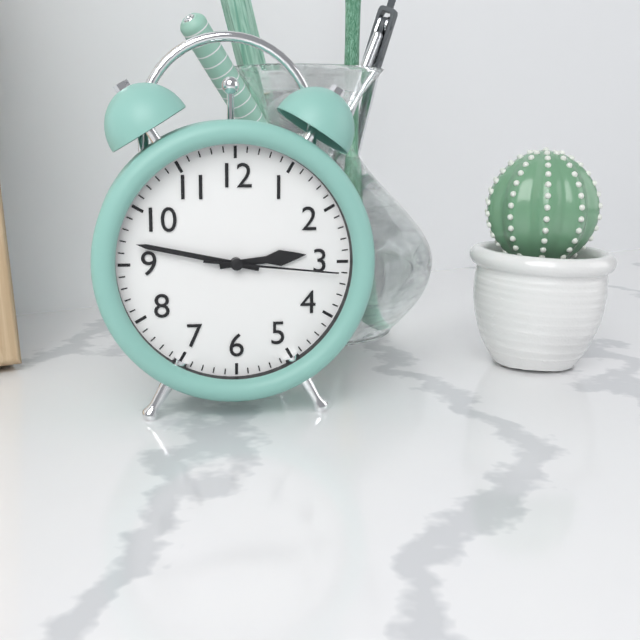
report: 2,47,16
